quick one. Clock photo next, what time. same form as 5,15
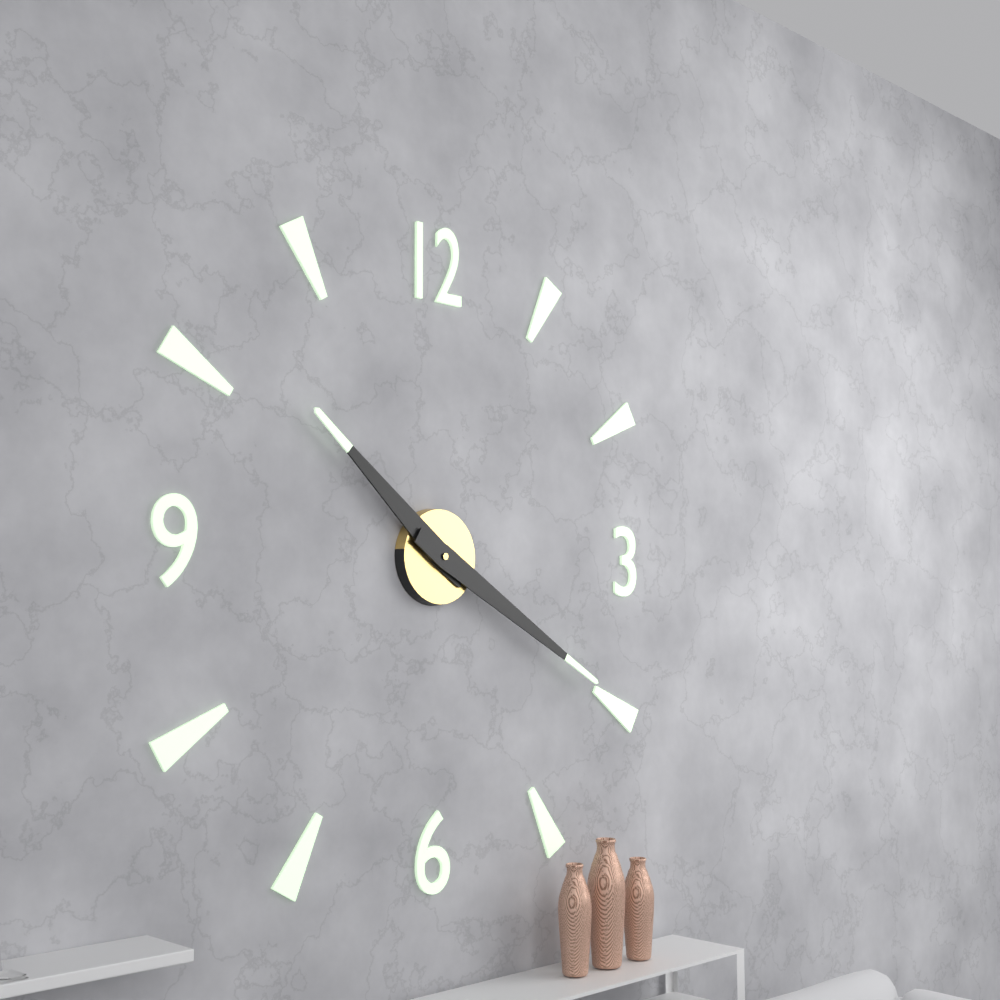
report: 10,20
